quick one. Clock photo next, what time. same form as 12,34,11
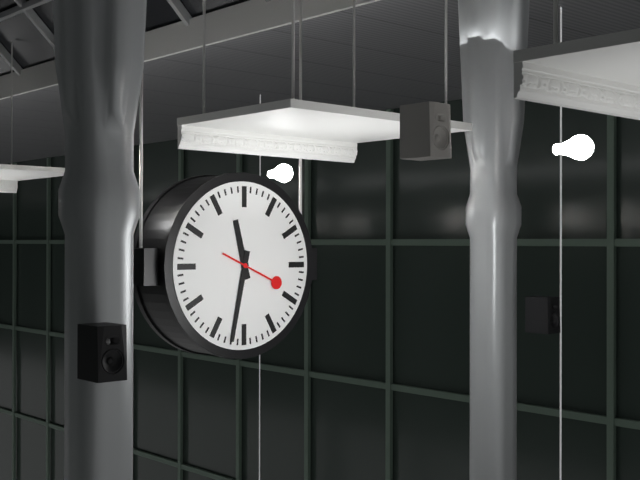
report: 11,32,19
